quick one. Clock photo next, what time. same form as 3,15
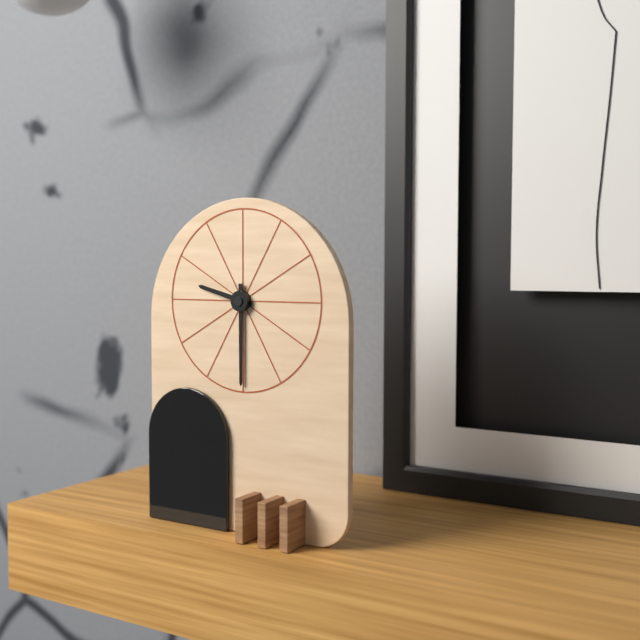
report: 9,30
